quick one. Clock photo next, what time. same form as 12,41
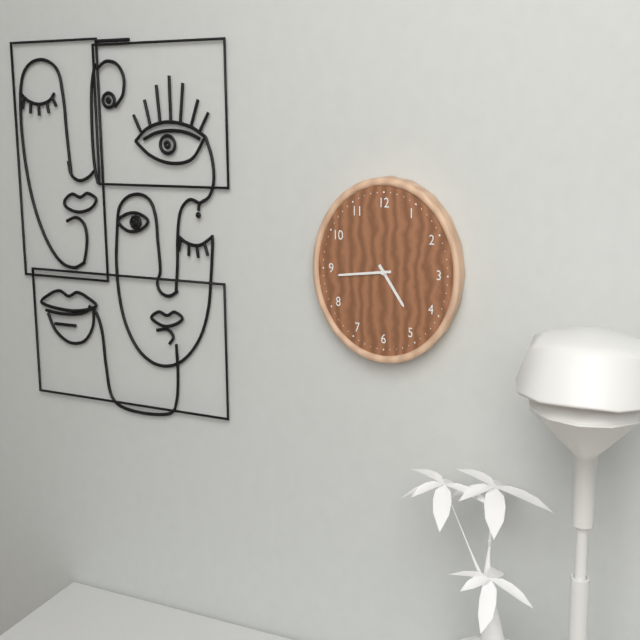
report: 4,44
